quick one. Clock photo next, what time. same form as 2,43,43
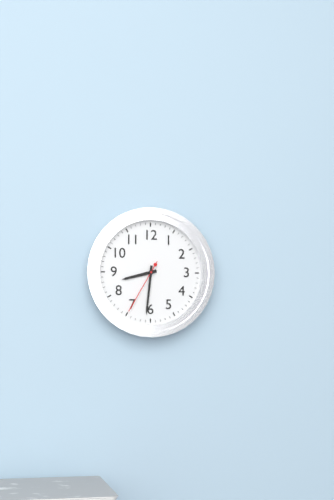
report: 8,31,35
